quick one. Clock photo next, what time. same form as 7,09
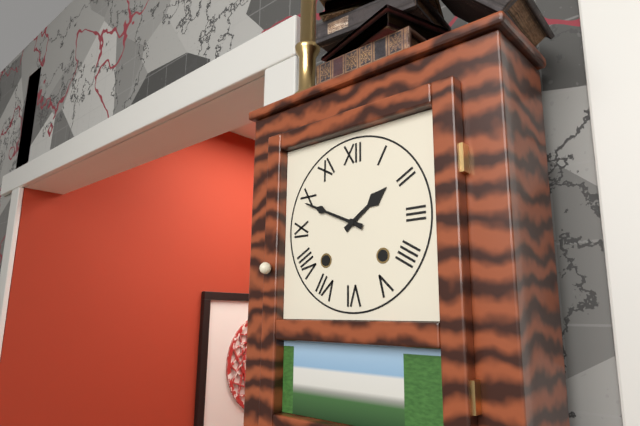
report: 1,49
